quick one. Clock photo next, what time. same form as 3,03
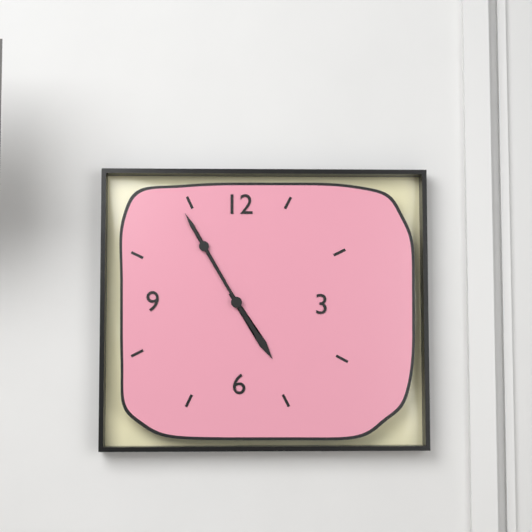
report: 4,55
